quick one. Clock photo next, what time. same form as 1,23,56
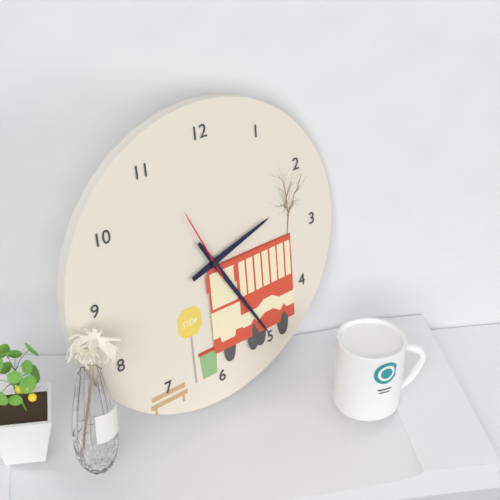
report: 2,25,56
